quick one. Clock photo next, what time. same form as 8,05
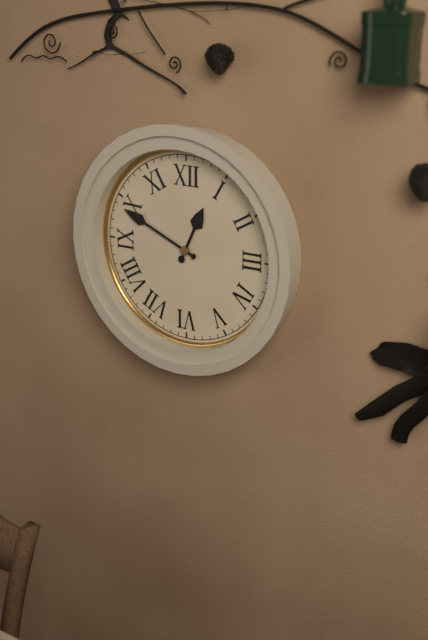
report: 12,49
